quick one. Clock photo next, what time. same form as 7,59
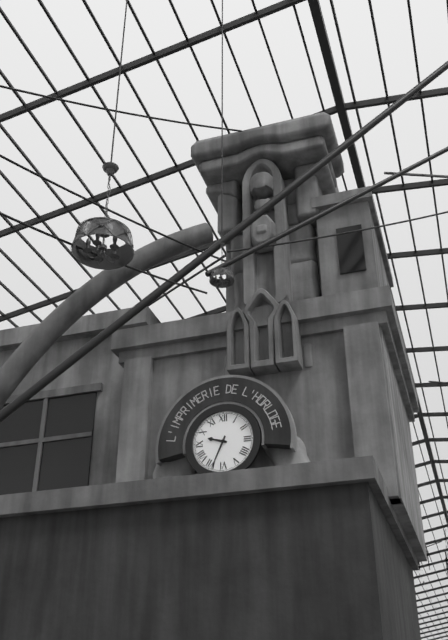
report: 9,34
